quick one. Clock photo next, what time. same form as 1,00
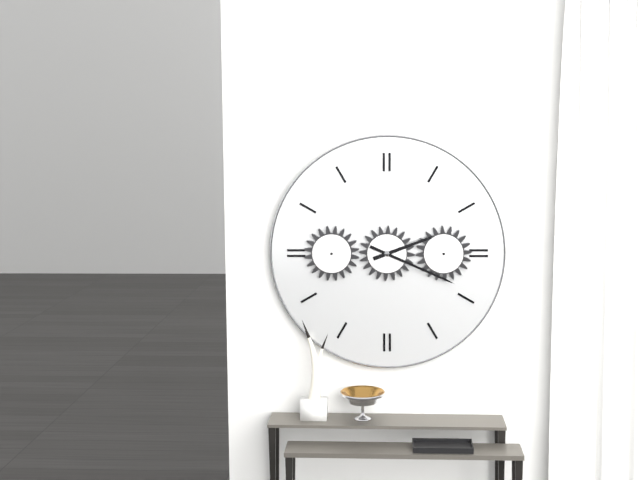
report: 2,19
